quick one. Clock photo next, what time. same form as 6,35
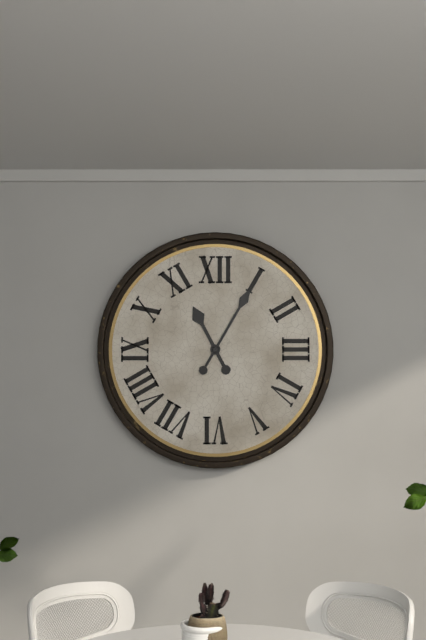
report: 11,05
